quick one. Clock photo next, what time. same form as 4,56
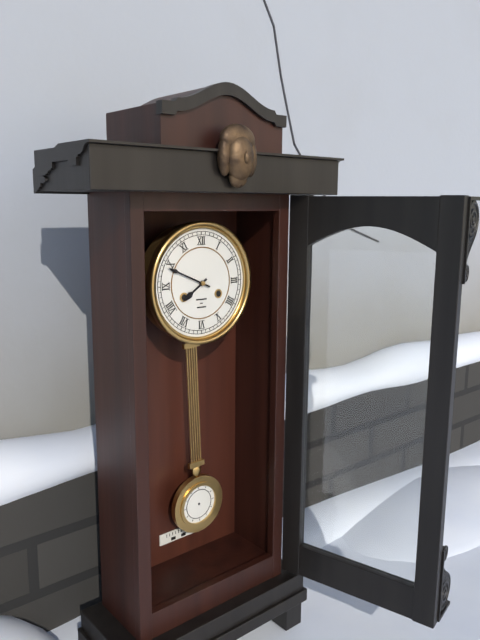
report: 7,49
